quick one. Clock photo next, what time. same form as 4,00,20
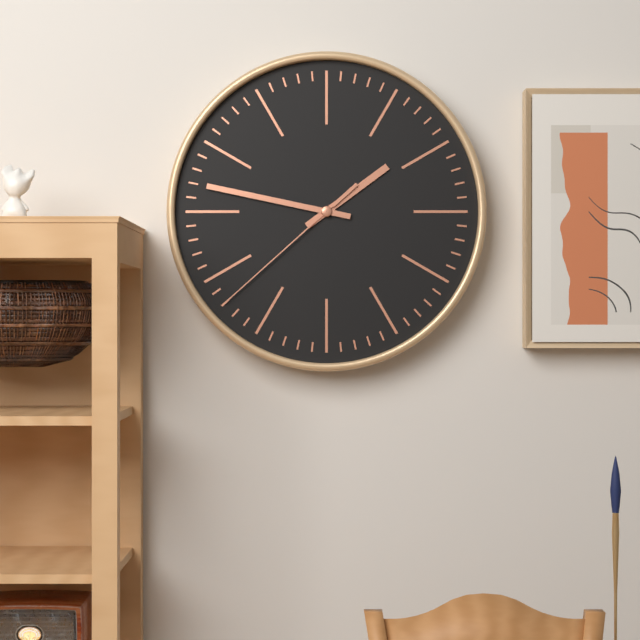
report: 1,47,38
